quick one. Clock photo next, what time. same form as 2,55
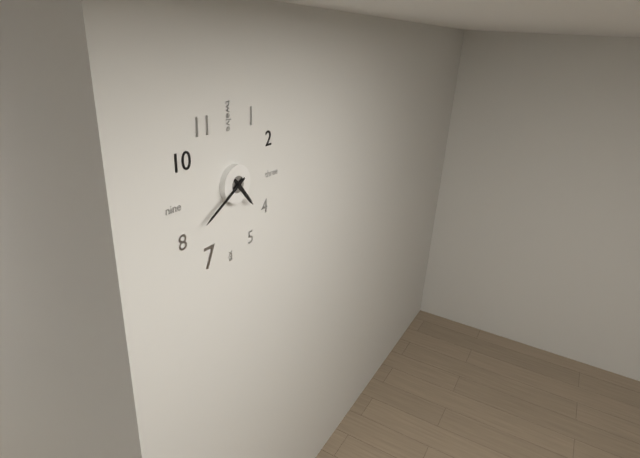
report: 4,40
